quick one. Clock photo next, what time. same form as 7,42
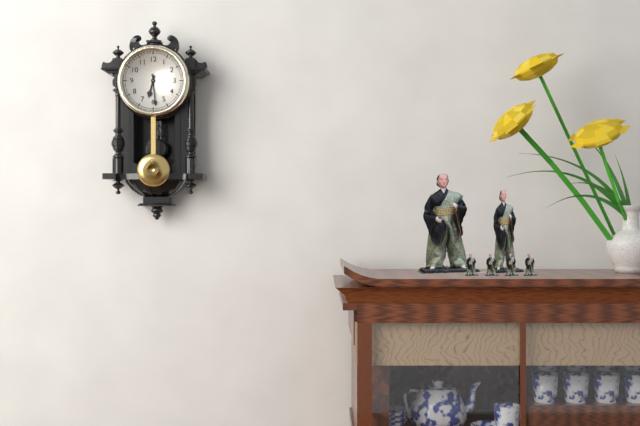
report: 6,29
